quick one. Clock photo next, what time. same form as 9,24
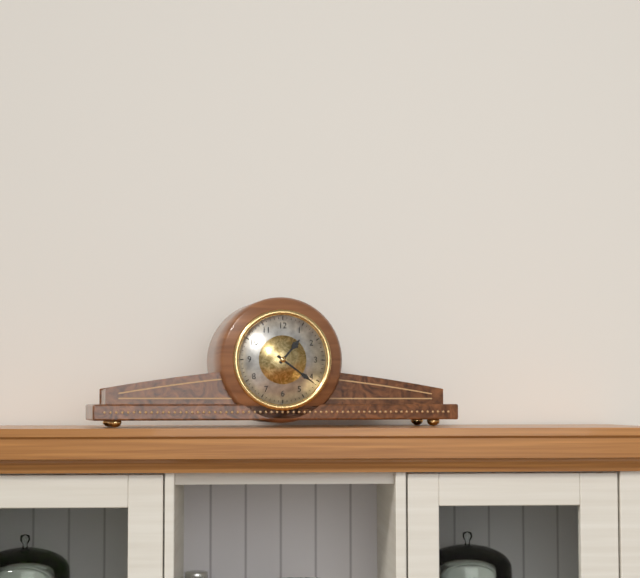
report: 1,21
